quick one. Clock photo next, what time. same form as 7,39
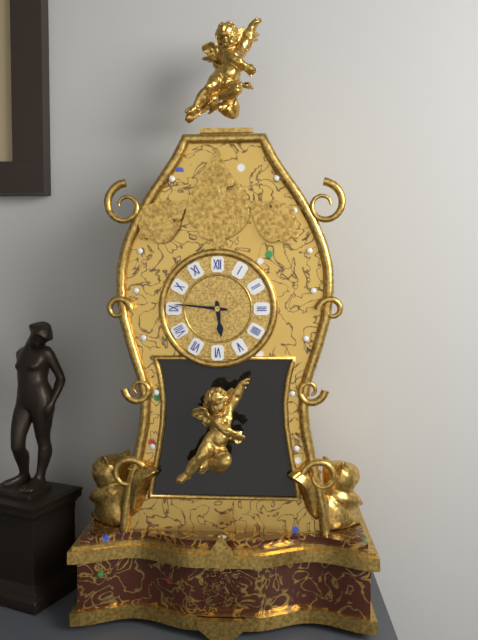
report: 5,46
